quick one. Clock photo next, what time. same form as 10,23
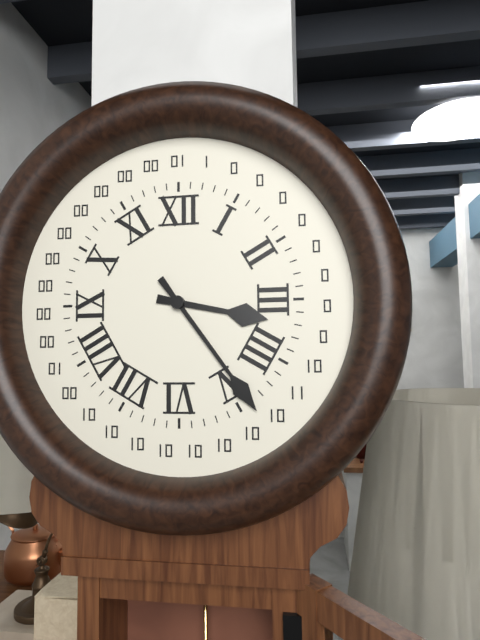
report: 3,24
